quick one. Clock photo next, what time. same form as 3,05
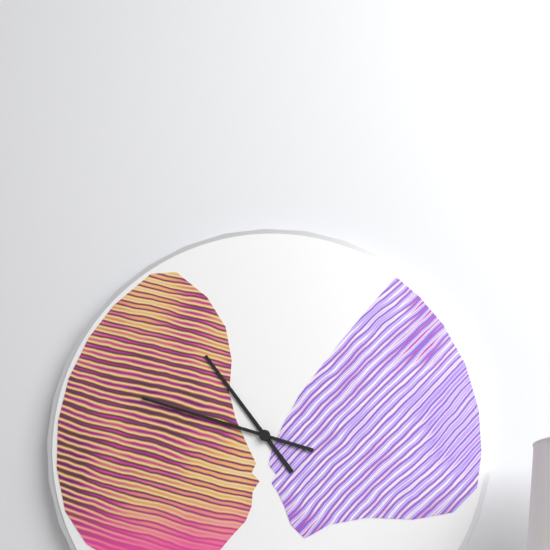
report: 10,48
